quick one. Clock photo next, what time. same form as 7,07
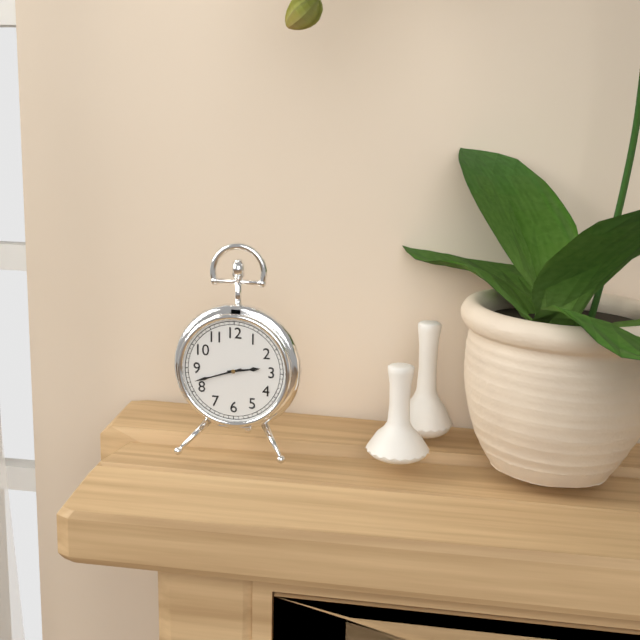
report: 2,42
